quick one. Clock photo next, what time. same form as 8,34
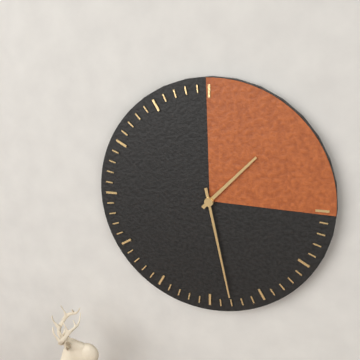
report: 1,28
